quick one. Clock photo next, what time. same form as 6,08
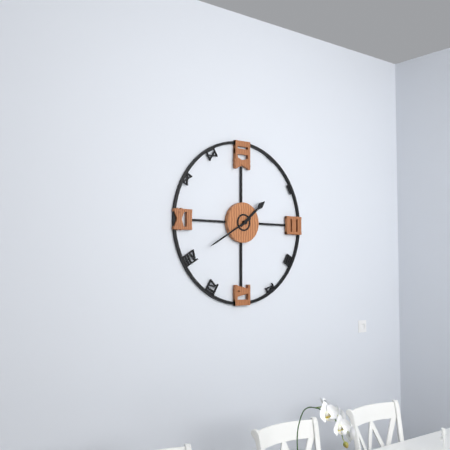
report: 1,40
